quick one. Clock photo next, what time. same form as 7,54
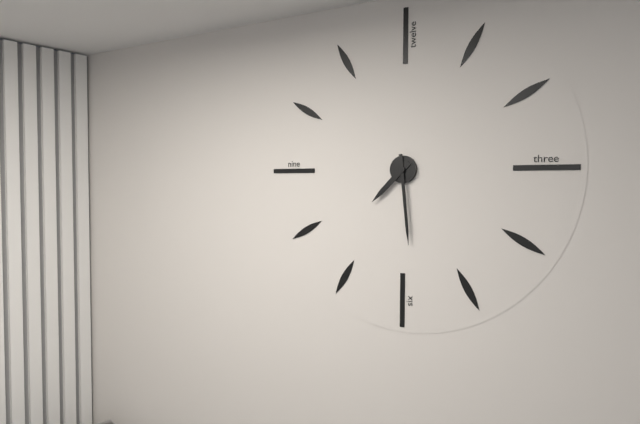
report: 7,29
